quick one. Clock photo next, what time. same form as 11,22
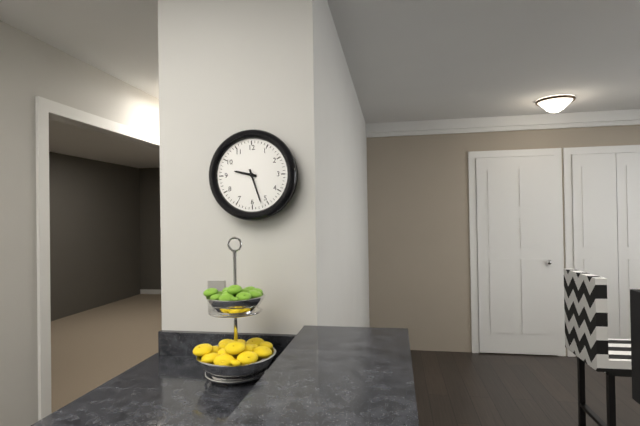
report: 9,27
